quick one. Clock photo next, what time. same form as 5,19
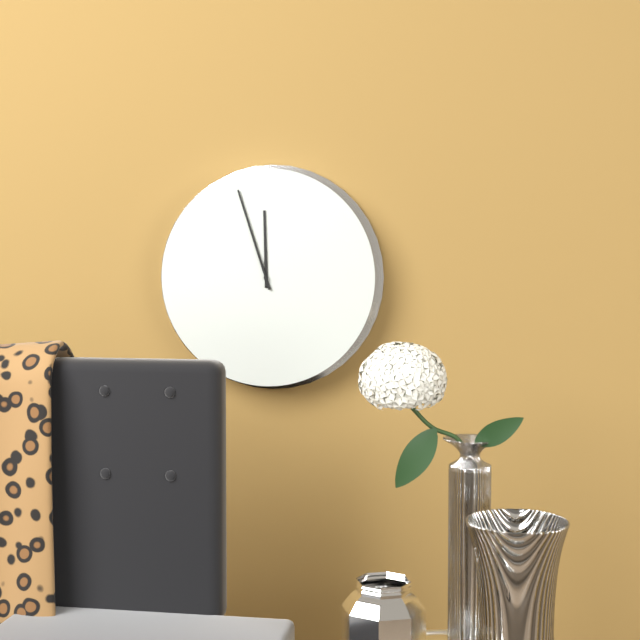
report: 11,57
